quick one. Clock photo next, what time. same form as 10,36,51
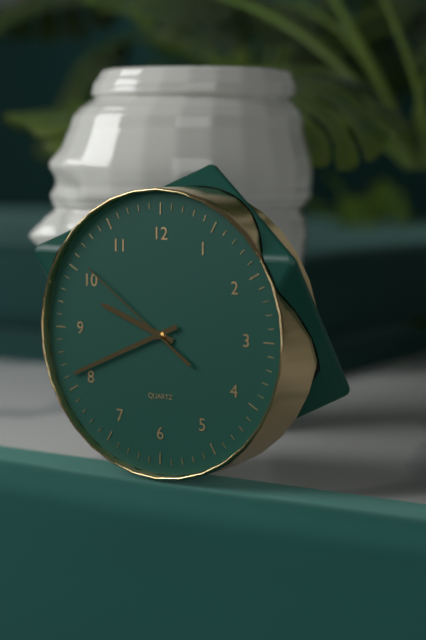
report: 9,41,51
